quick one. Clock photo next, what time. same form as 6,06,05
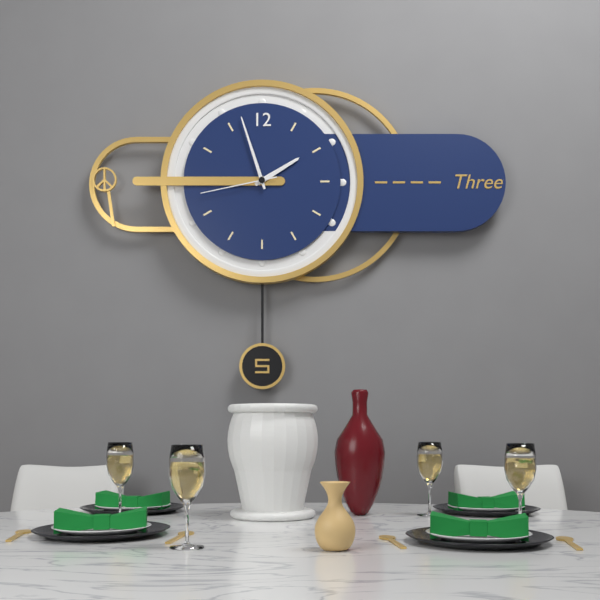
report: 1,57,43
